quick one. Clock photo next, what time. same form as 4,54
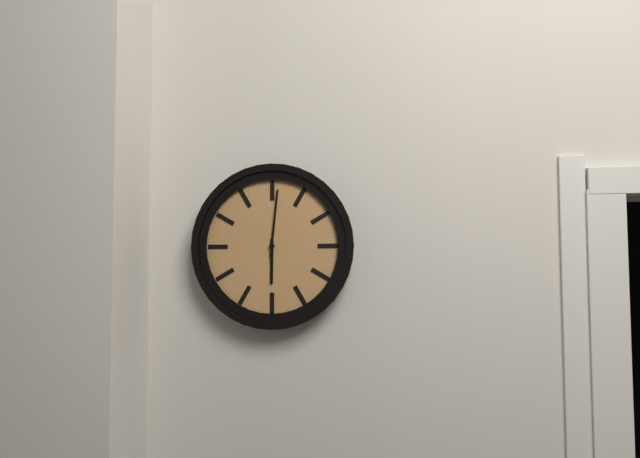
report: 6,01
